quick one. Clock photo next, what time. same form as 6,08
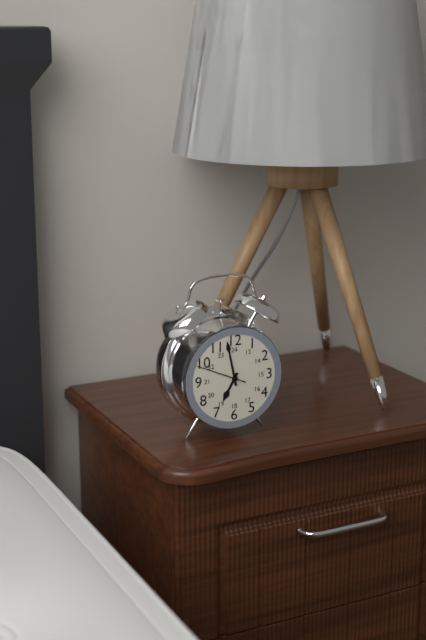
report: 6,58
